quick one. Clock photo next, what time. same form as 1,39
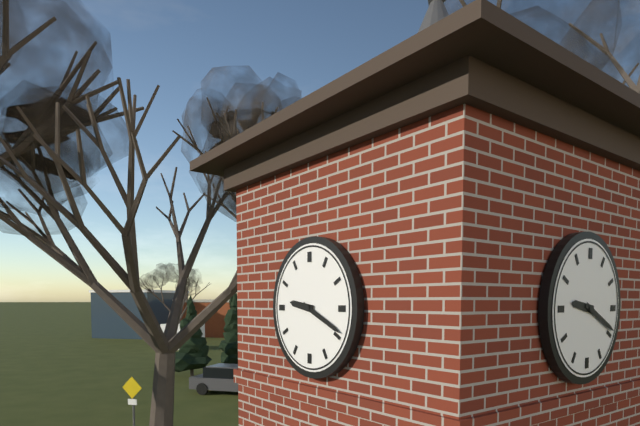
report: 9,19
